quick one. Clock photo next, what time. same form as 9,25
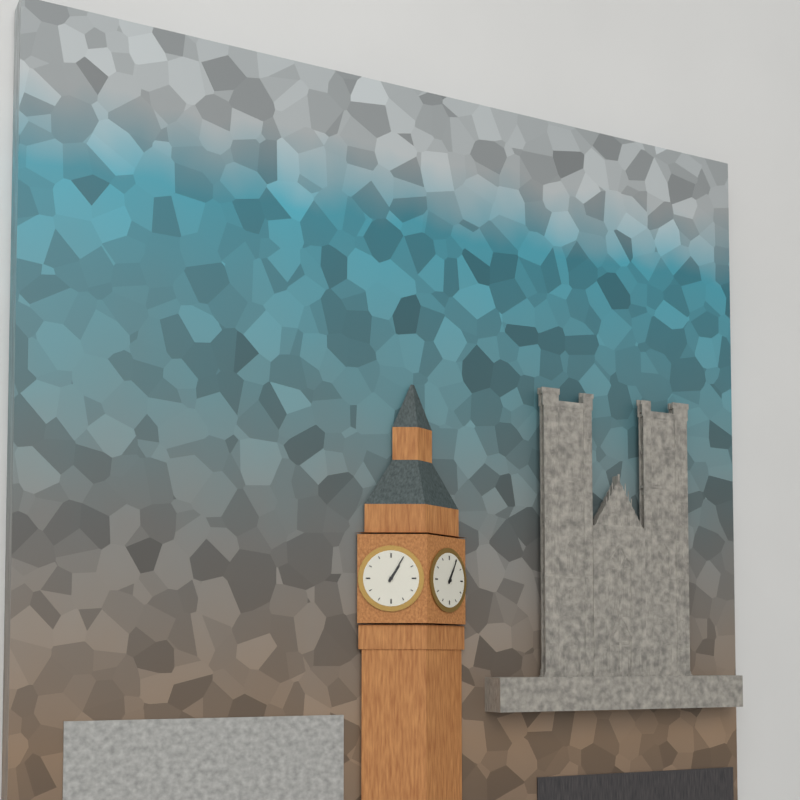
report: 1,05
